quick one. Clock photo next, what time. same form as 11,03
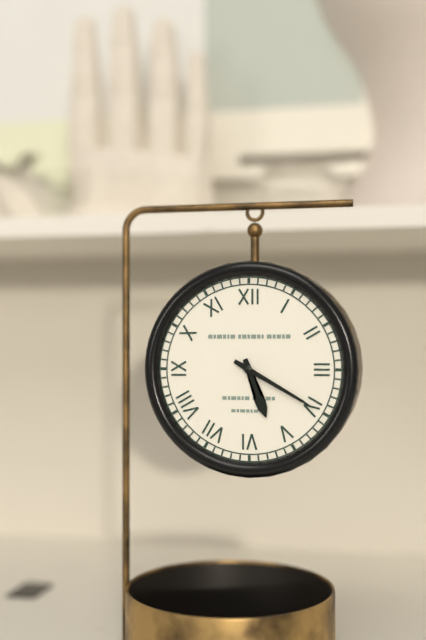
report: 5,20
